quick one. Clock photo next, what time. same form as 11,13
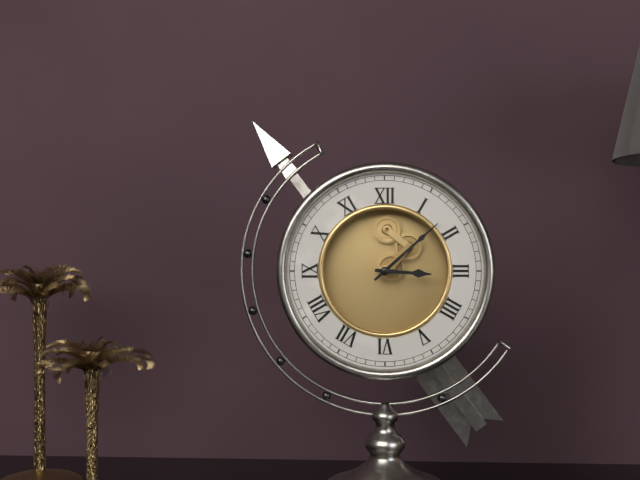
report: 3,08
